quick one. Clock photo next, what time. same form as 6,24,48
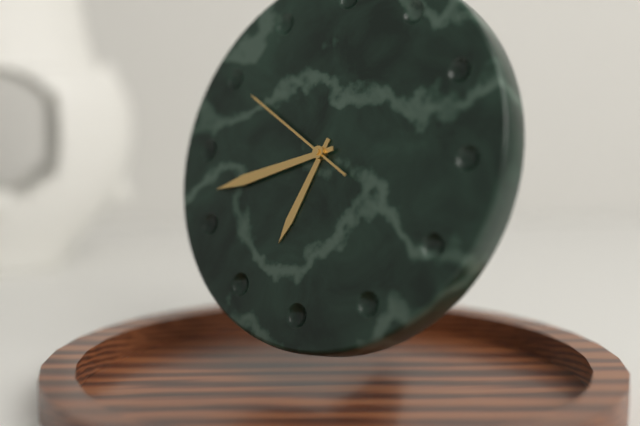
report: 6,42,50
